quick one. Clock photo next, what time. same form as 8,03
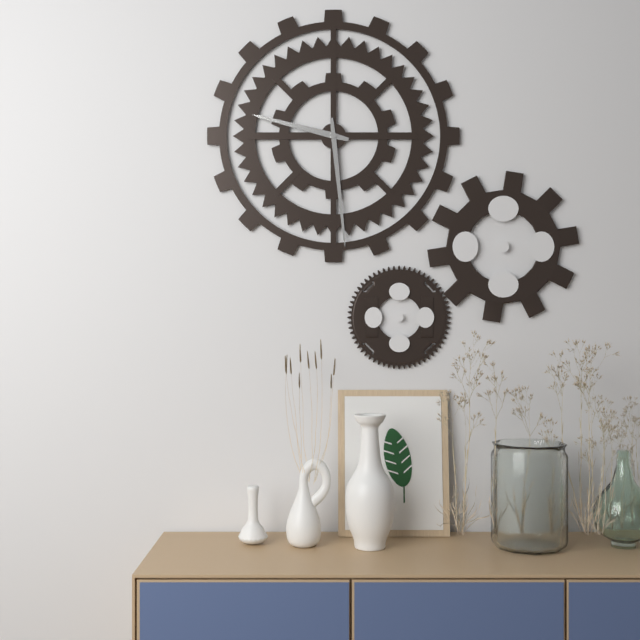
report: 9,29
